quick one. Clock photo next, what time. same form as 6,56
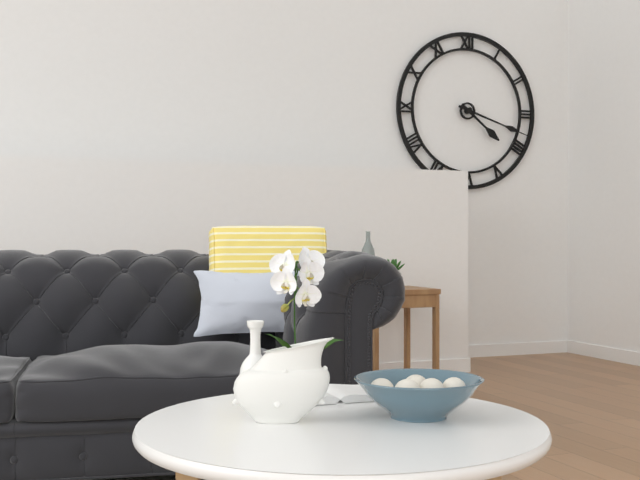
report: 4,18
